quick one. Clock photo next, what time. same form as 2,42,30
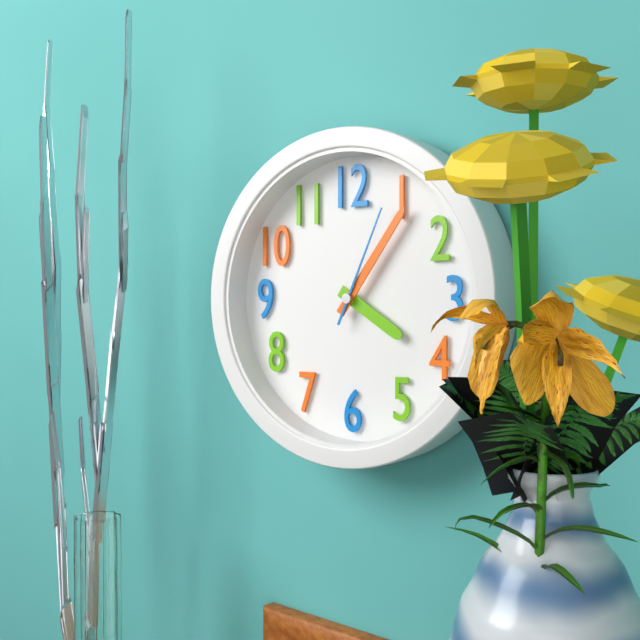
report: 4,06,04
